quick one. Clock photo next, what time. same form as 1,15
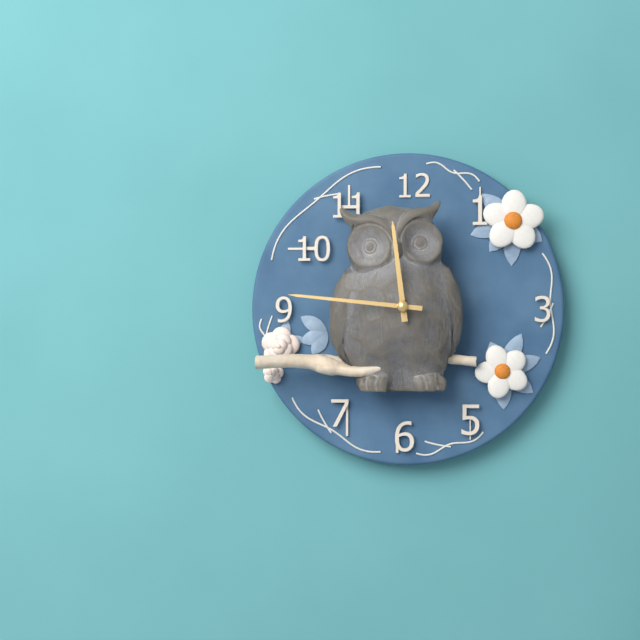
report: 11,46
